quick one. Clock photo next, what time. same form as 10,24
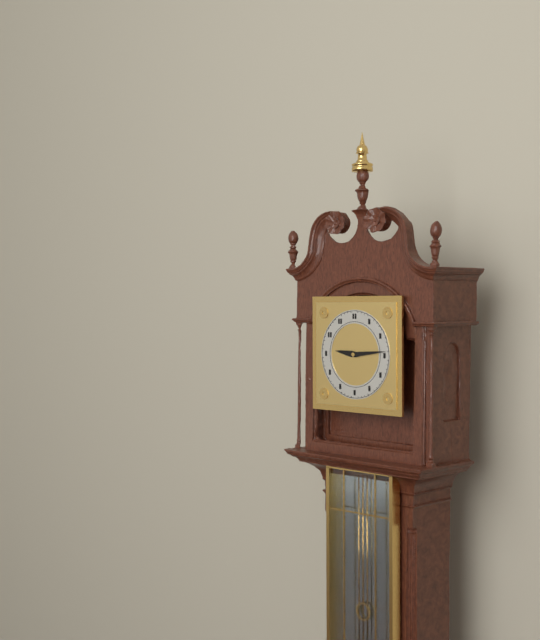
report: 9,14
